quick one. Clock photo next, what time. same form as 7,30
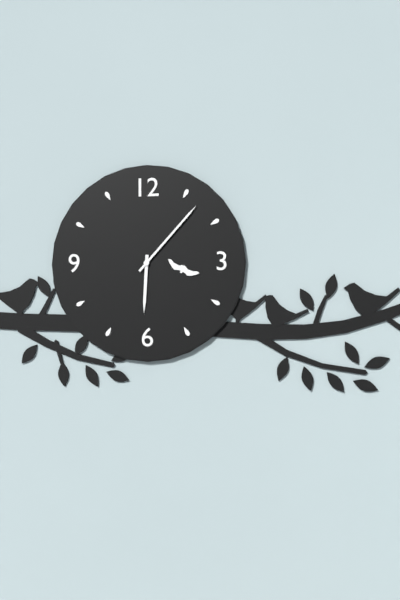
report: 6,07
